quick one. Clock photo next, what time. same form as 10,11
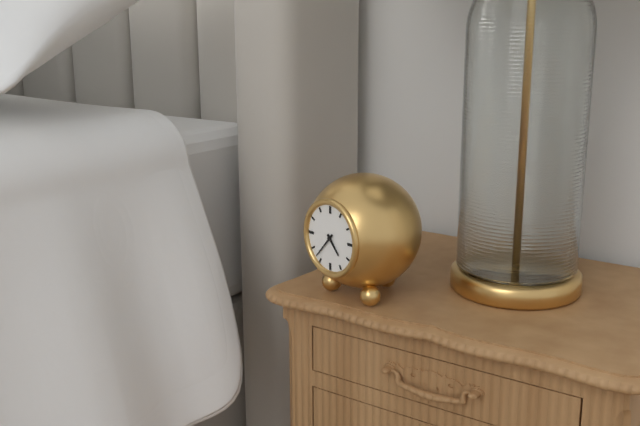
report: 4,37
